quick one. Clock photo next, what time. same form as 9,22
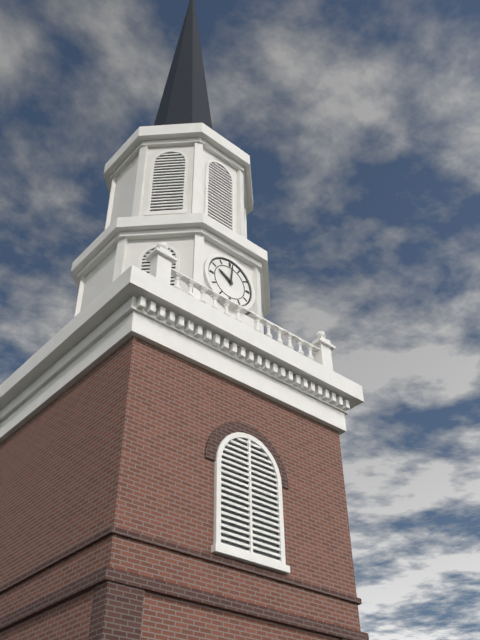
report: 10,01
